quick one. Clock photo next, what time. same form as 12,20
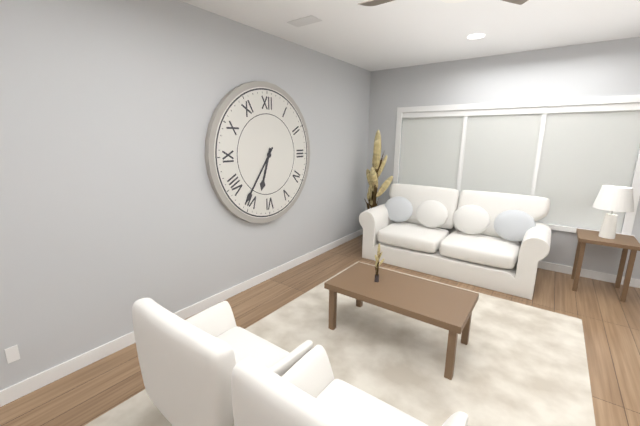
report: 6,36
